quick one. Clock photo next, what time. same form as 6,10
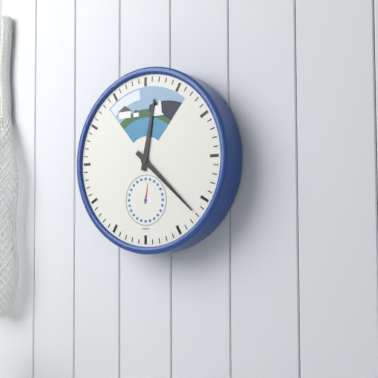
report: 12,22
